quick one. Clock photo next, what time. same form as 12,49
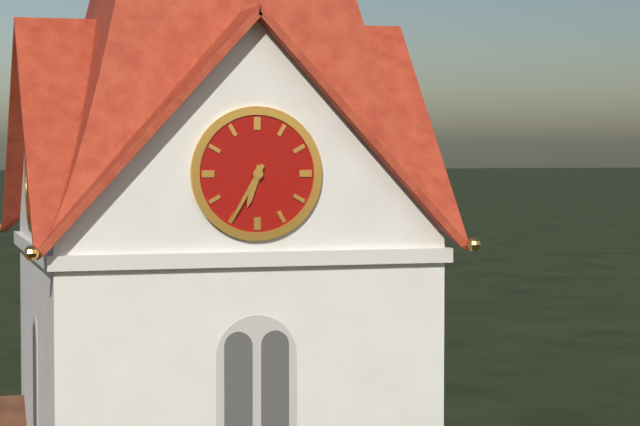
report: 6,35
